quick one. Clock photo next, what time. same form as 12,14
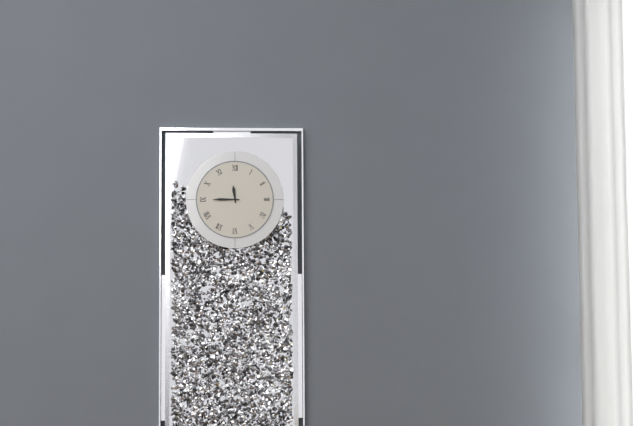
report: 11,45
